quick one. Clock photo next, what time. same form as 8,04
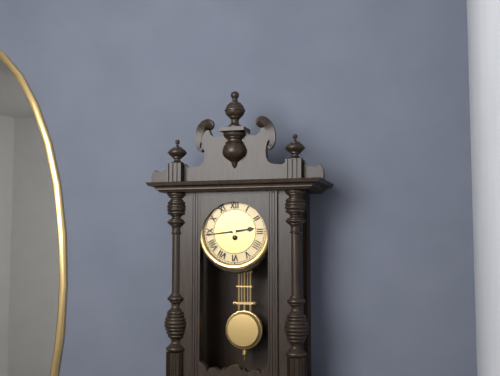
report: 2,44
